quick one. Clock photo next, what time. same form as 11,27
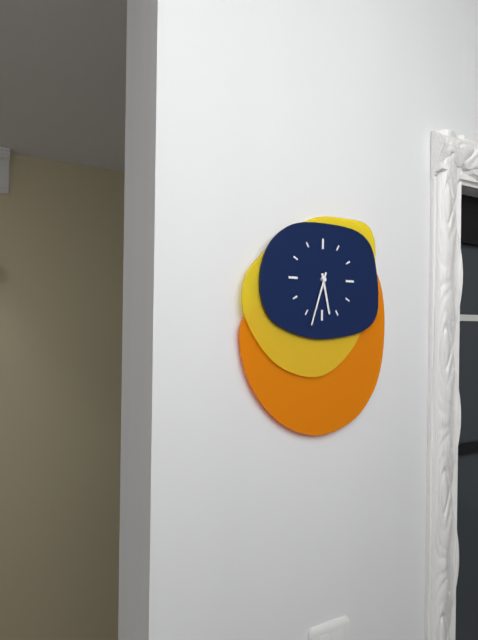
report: 5,33
